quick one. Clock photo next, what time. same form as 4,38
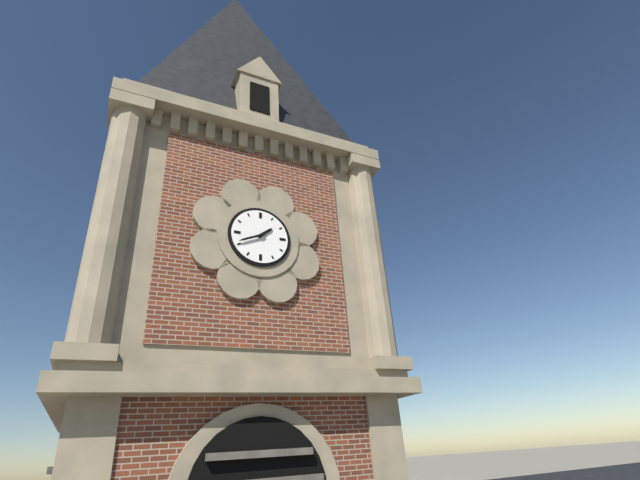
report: 1,41
